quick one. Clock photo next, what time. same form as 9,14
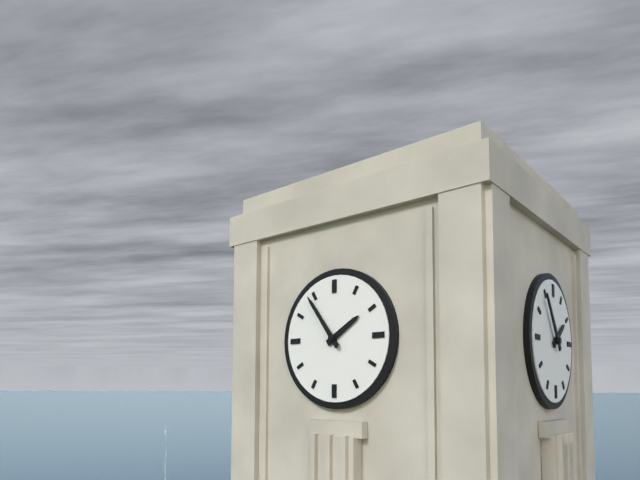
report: 1,54
